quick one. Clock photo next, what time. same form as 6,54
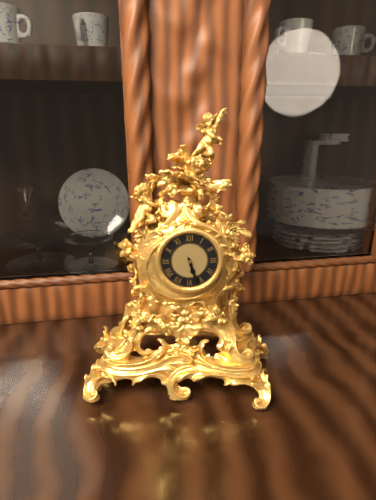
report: 5,27
